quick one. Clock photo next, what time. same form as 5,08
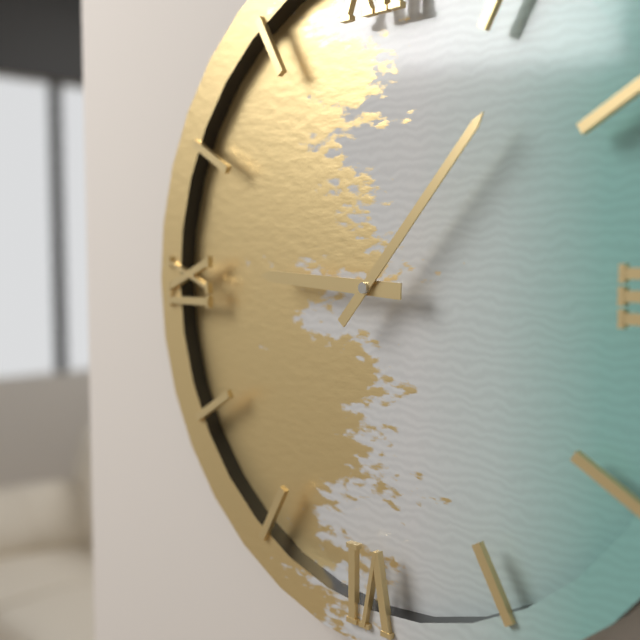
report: 9,07
